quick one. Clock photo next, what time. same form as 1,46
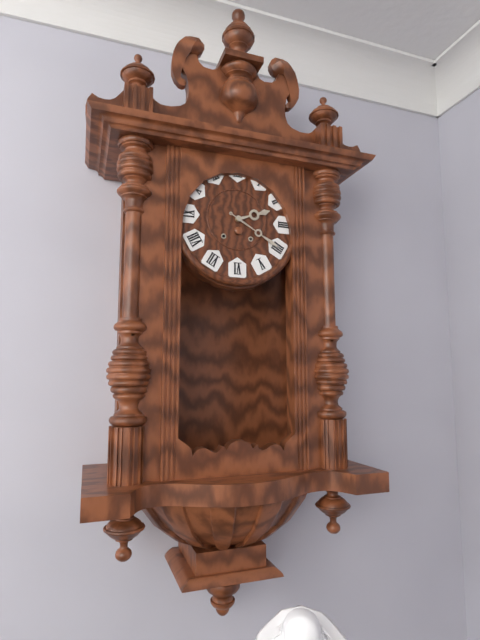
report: 2,20
